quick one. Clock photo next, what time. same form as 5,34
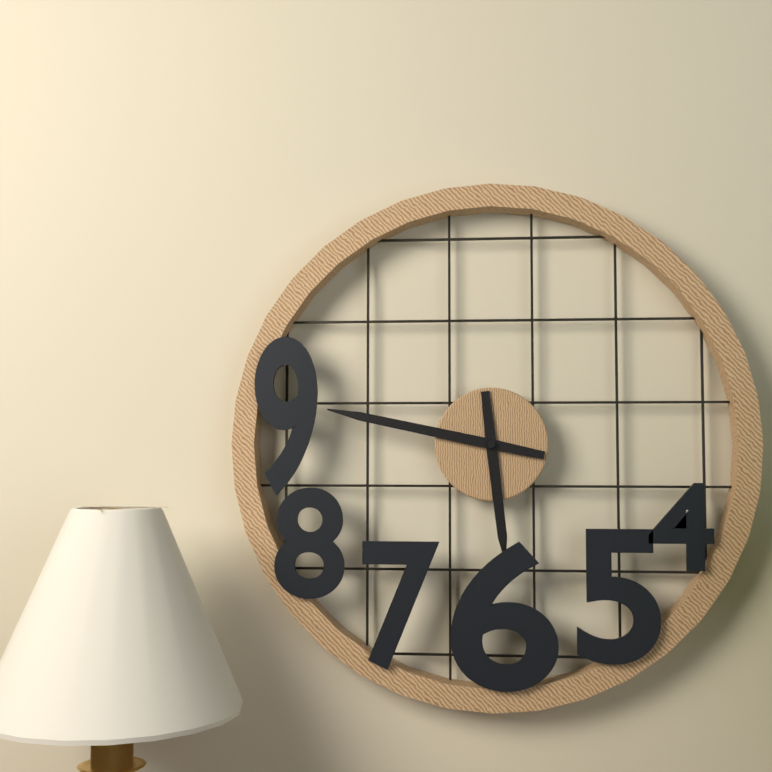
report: 5,47
